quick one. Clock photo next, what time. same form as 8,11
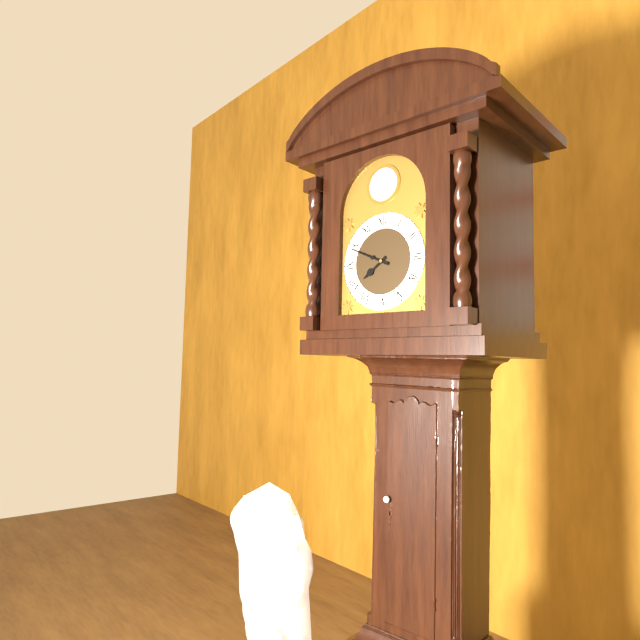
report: 7,49
